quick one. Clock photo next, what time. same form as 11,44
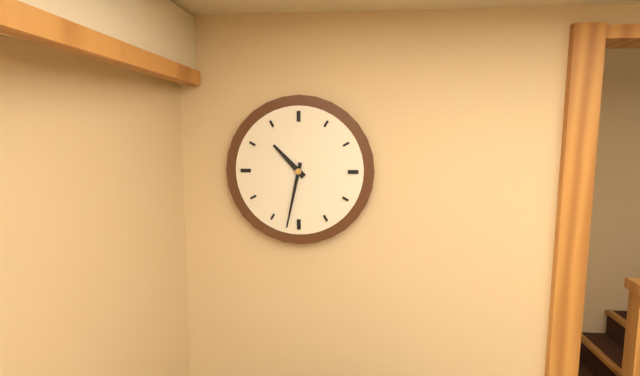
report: 10,32
